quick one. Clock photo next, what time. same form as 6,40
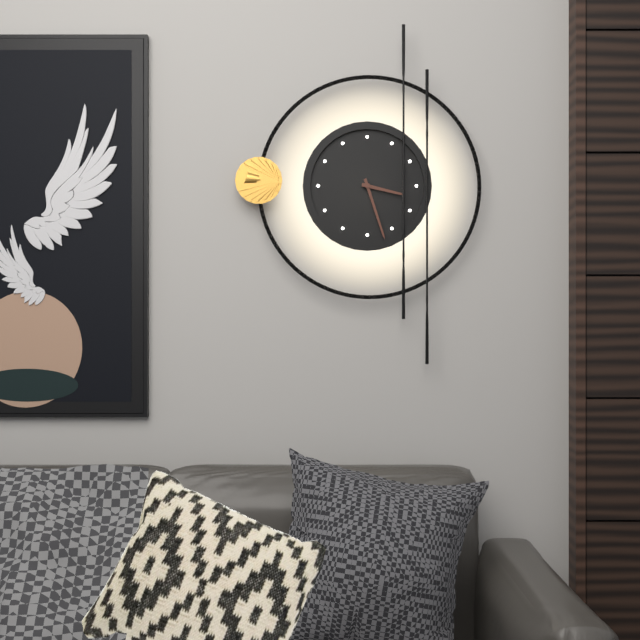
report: 3,27
